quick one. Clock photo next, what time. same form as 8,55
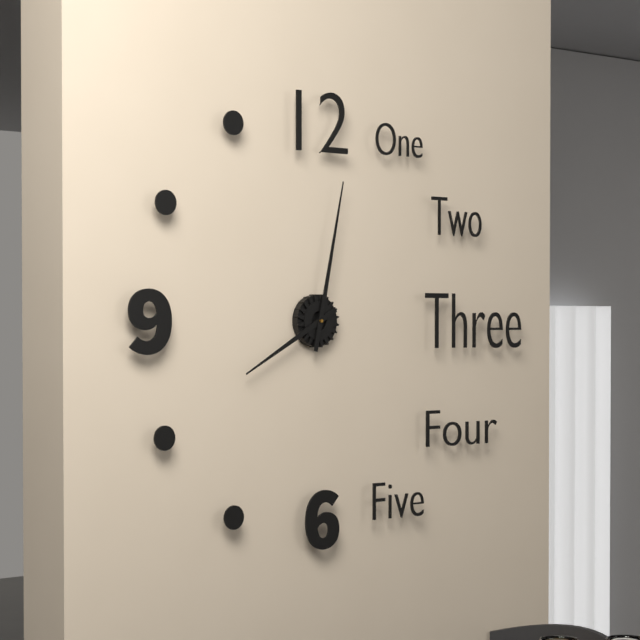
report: 8,02
